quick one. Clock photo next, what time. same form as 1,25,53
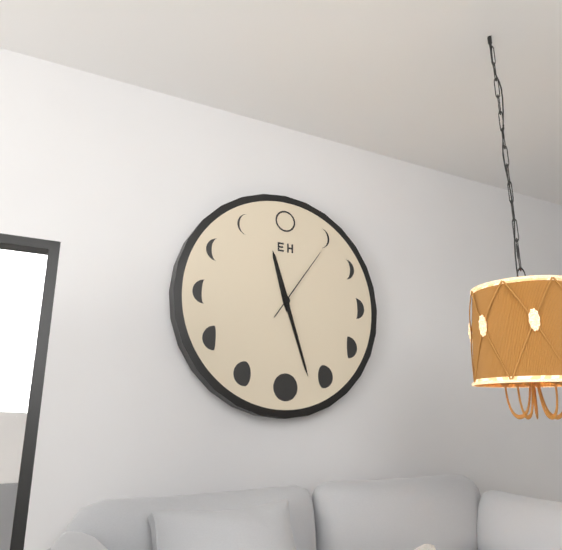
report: 11,27,06
